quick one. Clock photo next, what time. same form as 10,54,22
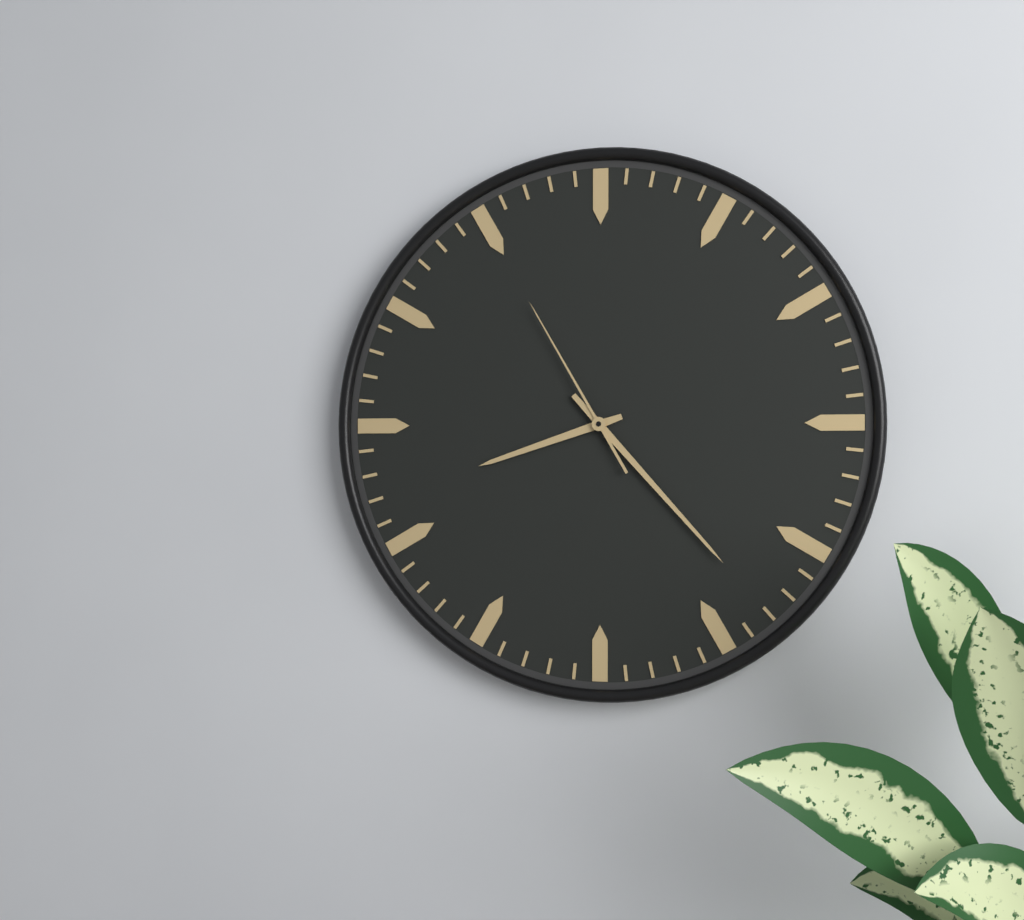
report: 8,23,55
